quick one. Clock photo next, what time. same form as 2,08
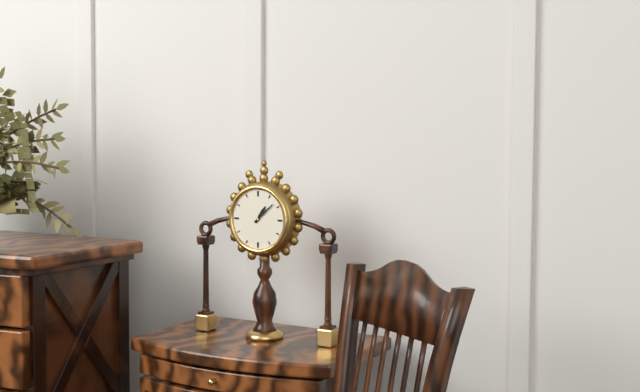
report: 1,08
